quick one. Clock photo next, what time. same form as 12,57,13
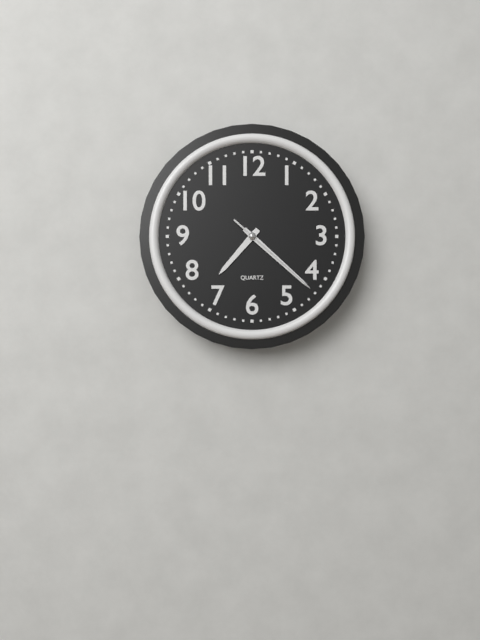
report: 7,22,22
